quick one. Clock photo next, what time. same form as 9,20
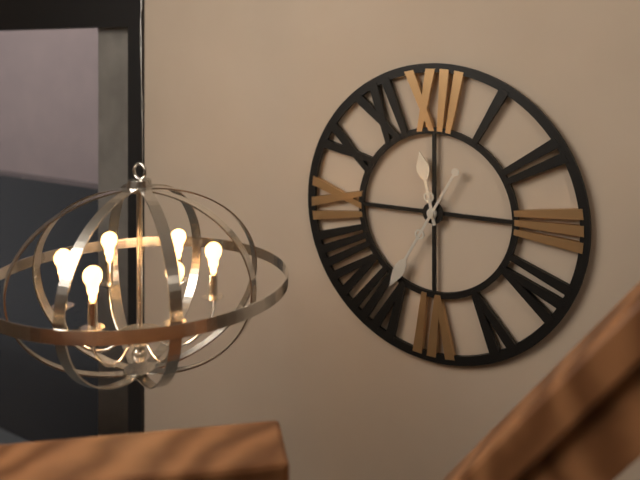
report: 11,35
